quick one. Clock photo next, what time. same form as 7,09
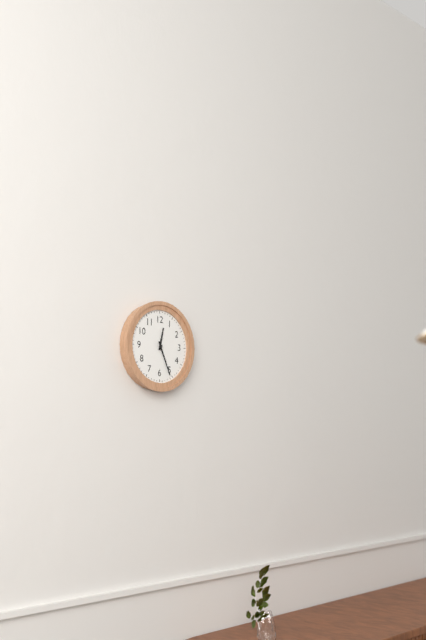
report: 12,26
